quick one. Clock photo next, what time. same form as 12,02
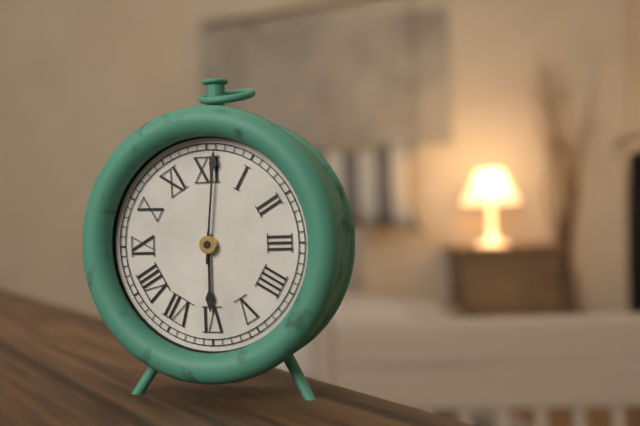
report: 6,01
